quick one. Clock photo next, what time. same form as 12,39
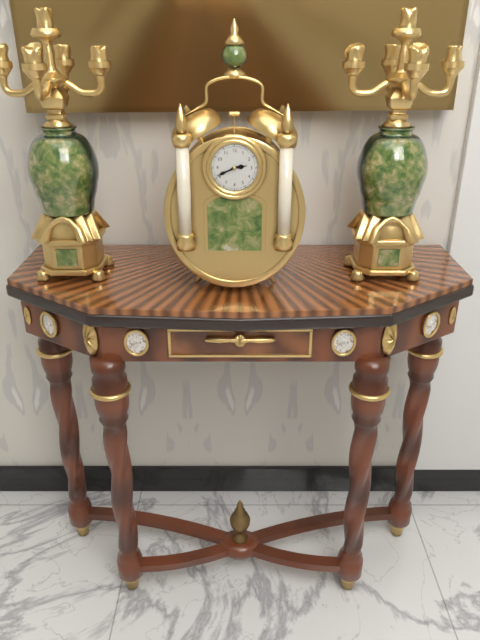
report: 2,41
